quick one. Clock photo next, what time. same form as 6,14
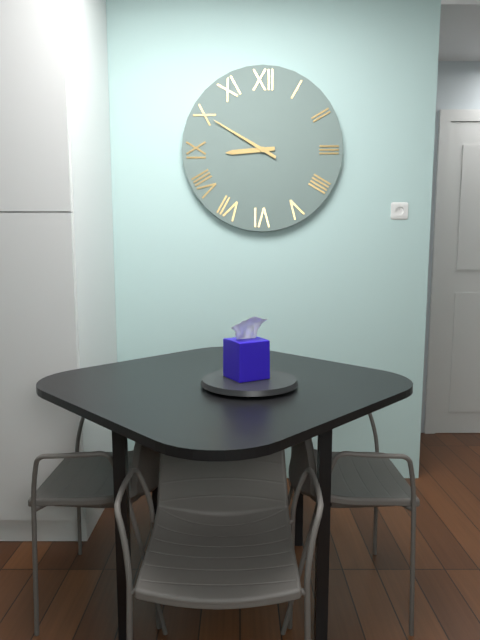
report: 8,50
